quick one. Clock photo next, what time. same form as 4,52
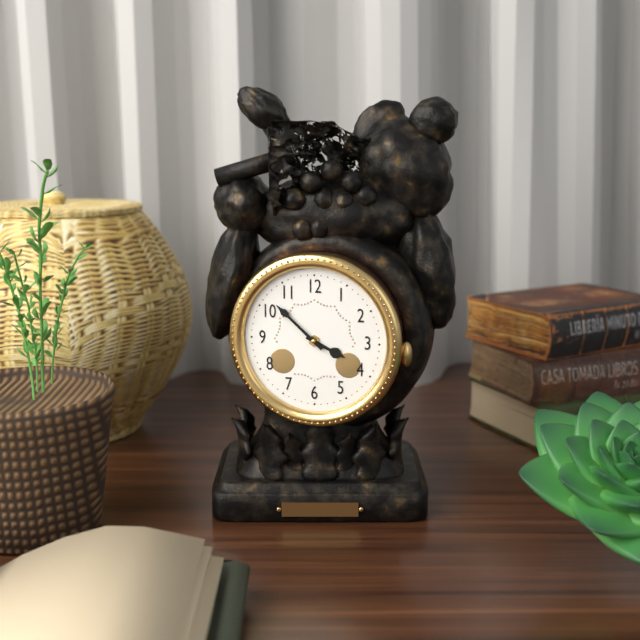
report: 3,52
